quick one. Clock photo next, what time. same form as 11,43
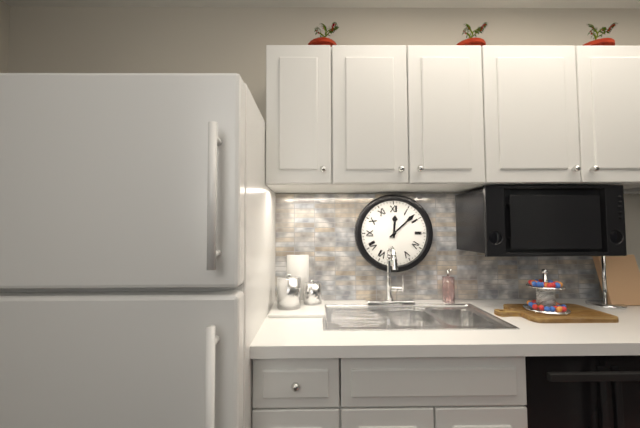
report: 12,08
